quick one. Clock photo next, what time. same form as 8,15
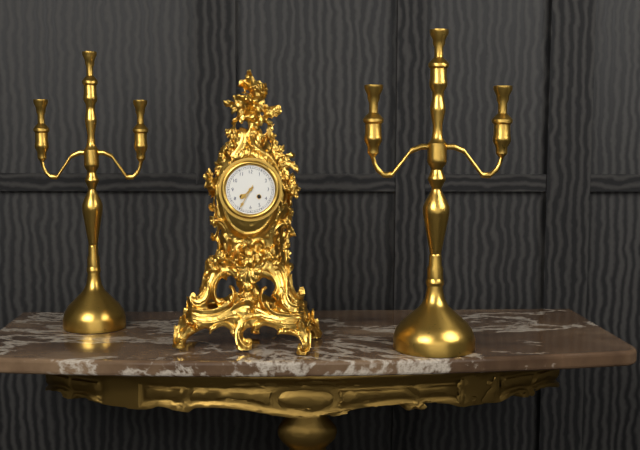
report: 7,35
